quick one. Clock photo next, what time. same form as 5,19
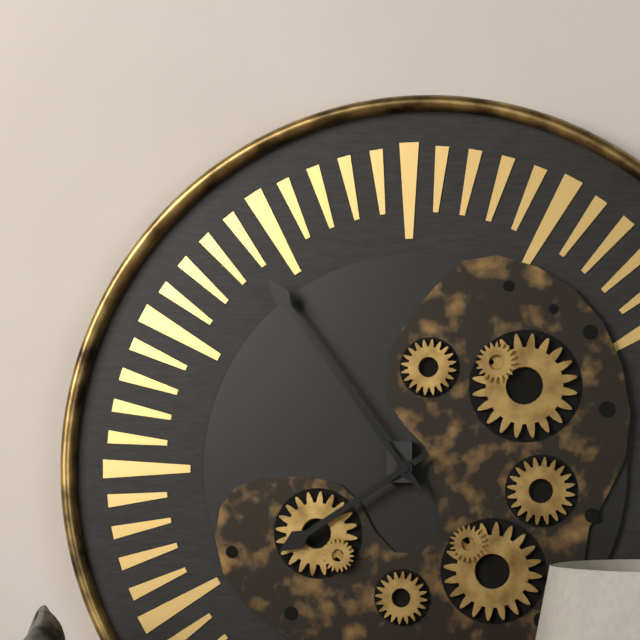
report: 7,54
